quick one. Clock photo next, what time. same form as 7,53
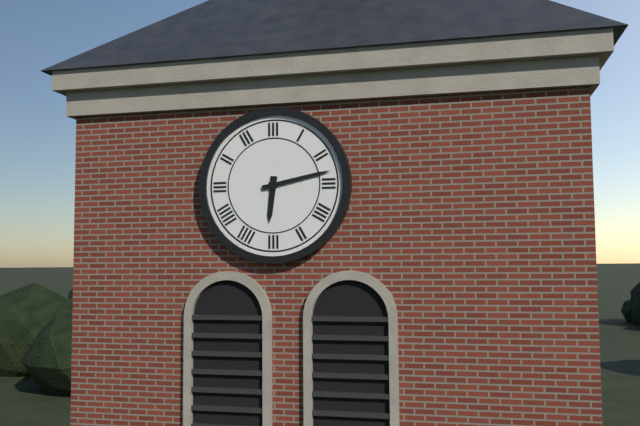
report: 6,13
